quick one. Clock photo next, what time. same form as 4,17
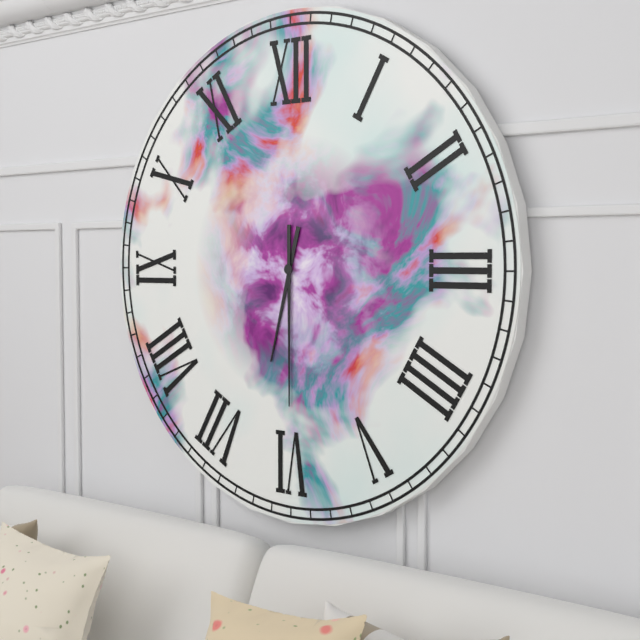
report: 6,30
